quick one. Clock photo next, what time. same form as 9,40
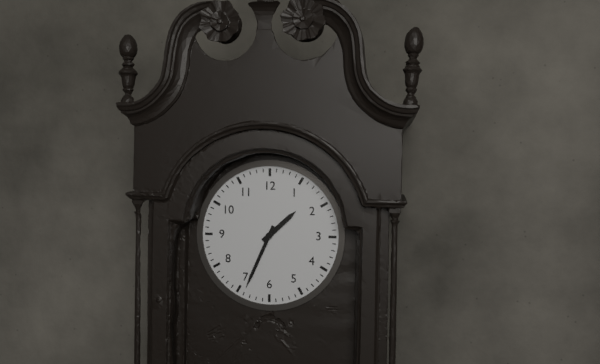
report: 1,34
